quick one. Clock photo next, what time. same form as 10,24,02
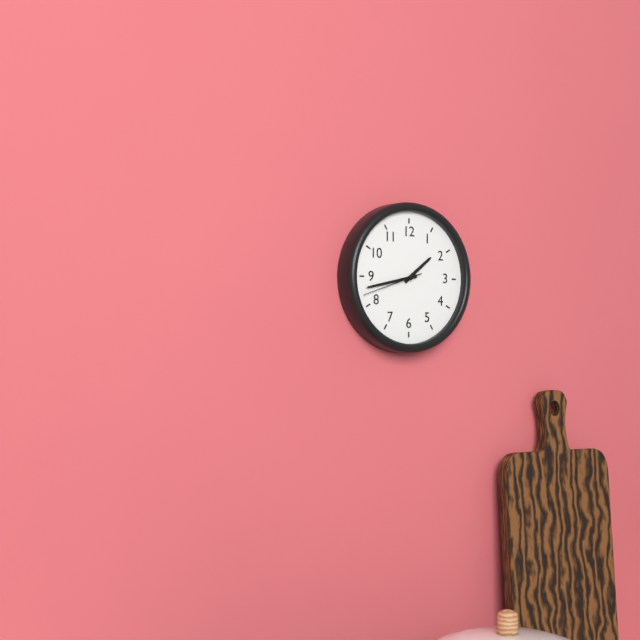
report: 1,43,42
